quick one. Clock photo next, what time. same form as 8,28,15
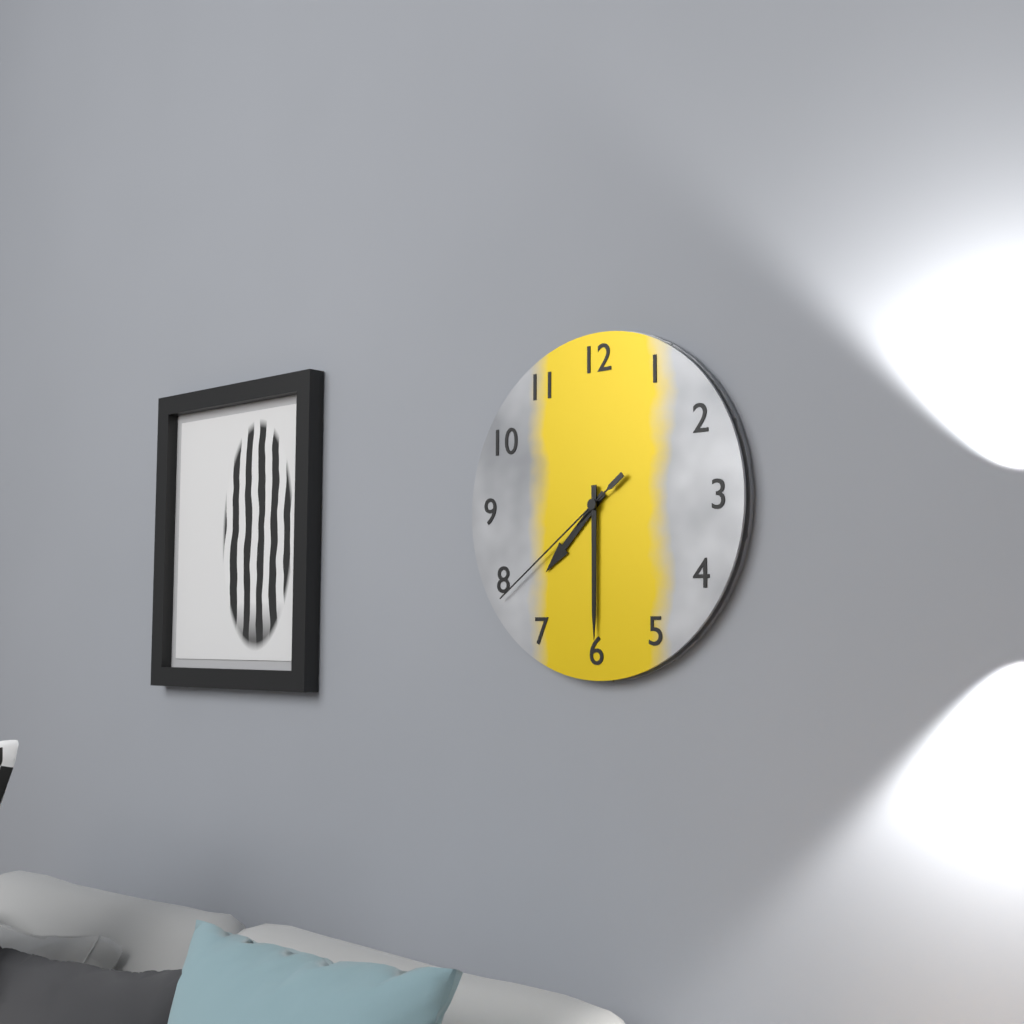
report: 7,30,39
